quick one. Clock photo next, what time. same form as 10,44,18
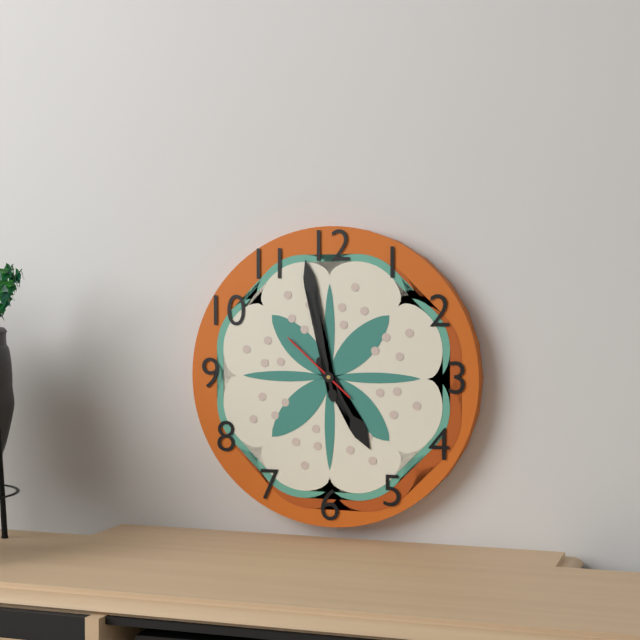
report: 4,58,52
